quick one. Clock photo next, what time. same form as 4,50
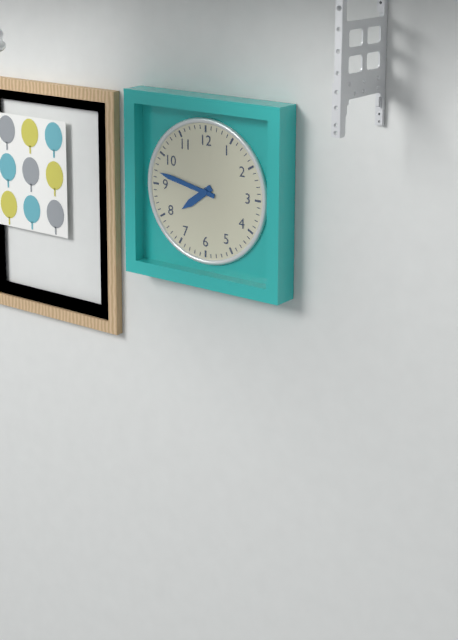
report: 7,47
